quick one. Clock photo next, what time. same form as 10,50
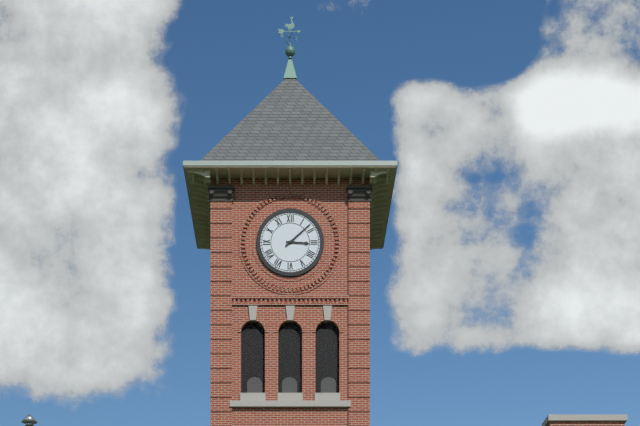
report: 3,08
